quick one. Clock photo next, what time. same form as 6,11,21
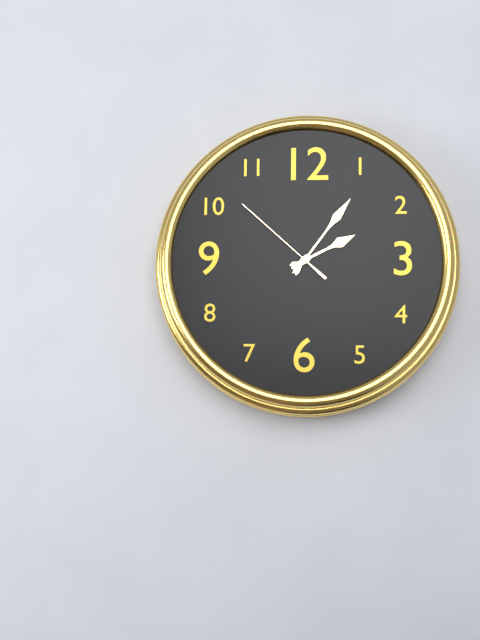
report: 2,06,52
